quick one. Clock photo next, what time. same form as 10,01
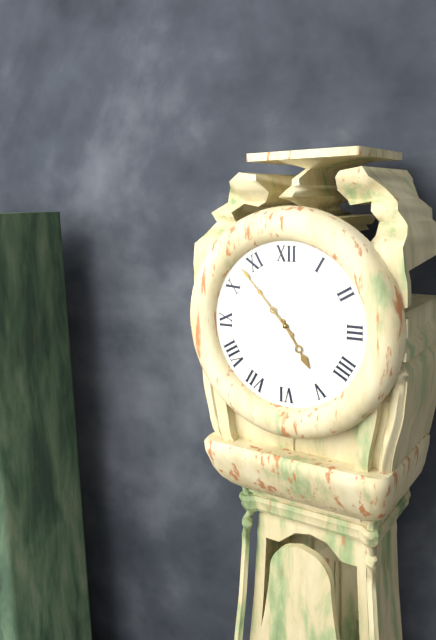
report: 4,53
